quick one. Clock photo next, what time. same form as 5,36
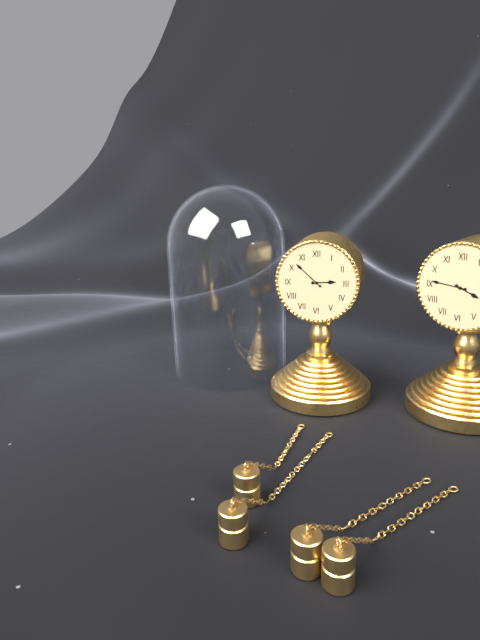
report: 2,52
